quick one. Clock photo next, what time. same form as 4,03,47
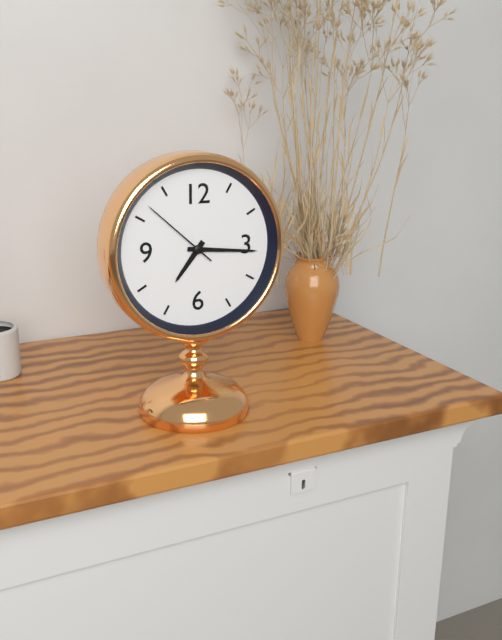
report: 7,16,52
